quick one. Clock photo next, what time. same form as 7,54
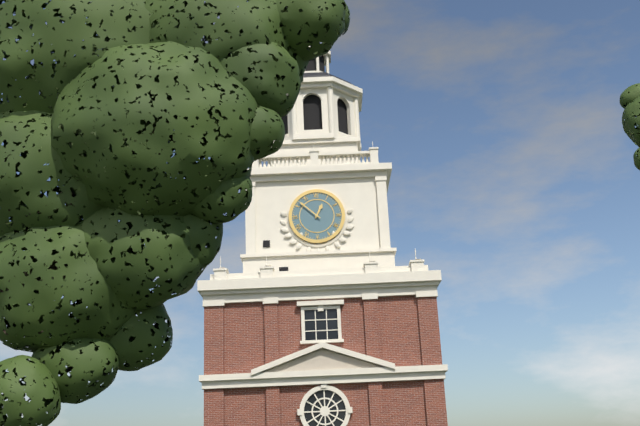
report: 12,52
